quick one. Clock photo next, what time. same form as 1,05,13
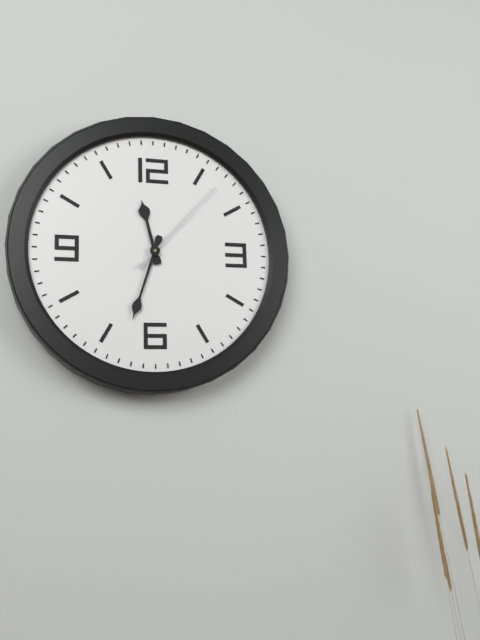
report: 11,33,07
